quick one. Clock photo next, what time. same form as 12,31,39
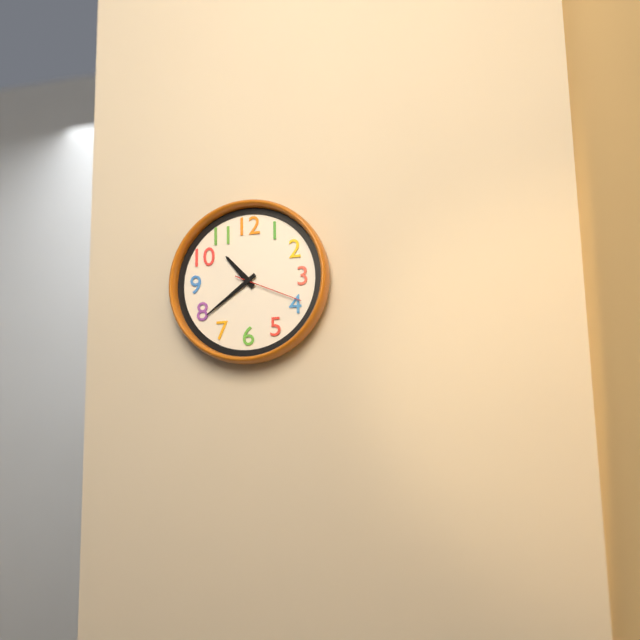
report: 10,39,19
